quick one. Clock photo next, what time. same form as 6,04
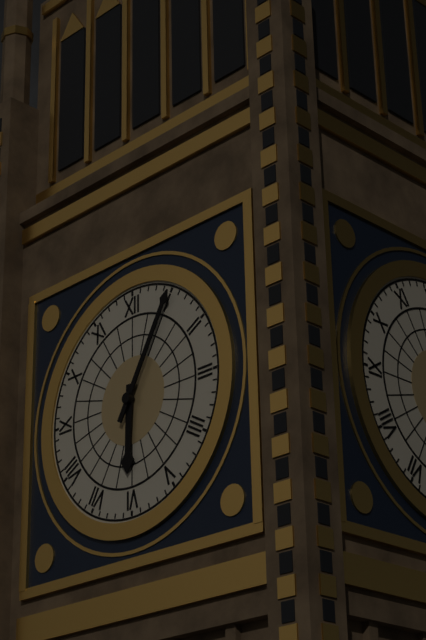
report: 6,05
